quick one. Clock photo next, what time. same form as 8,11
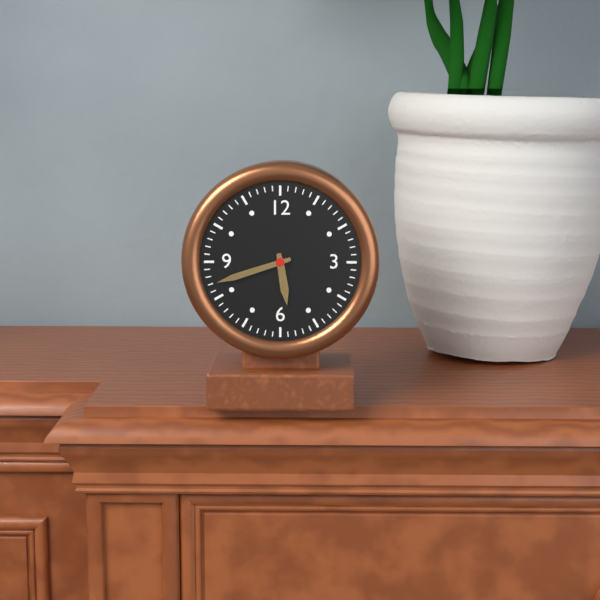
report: 5,42
